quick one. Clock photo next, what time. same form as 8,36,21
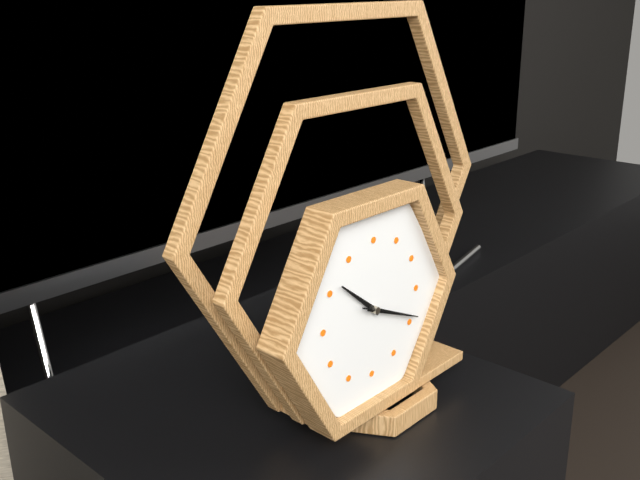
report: 10,19,19
